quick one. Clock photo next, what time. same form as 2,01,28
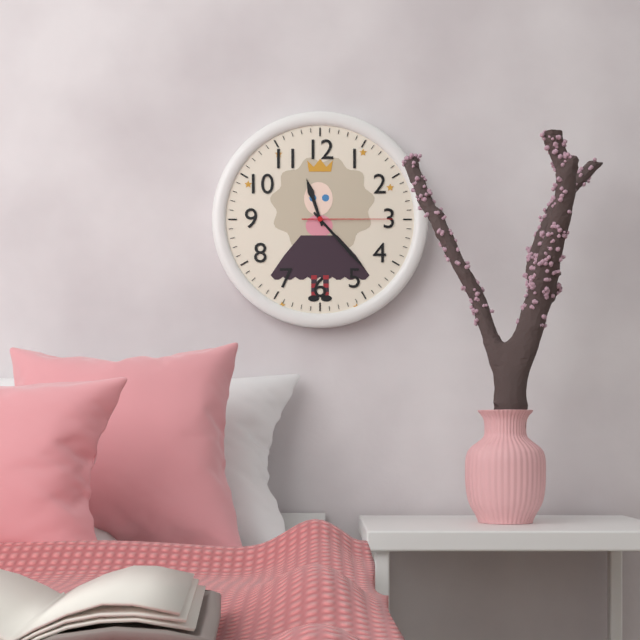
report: 11,23,15
